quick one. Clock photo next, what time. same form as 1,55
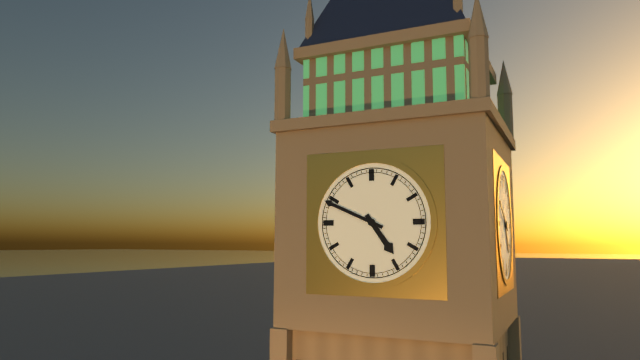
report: 4,49
